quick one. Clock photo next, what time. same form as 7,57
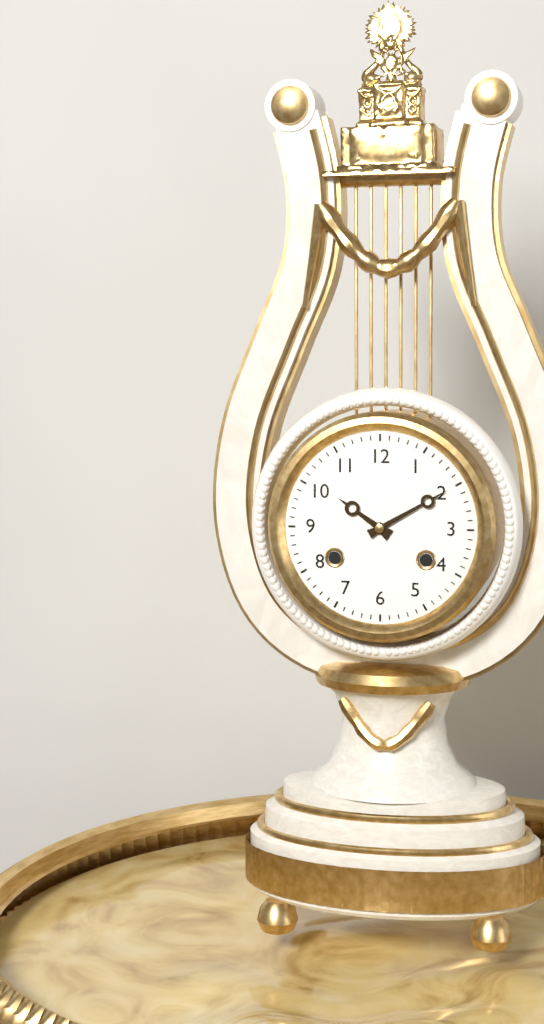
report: 10,10
